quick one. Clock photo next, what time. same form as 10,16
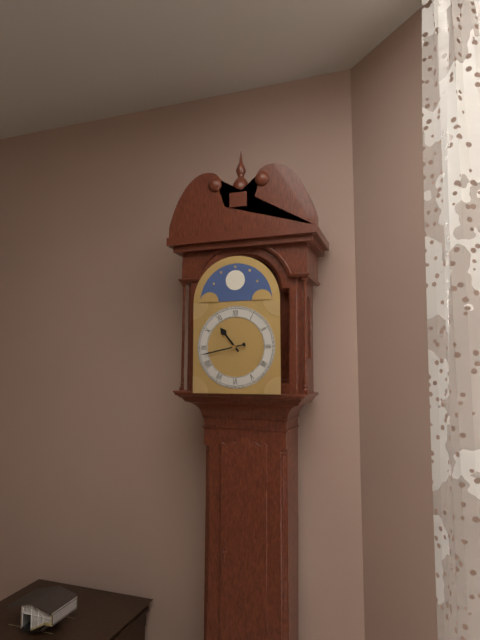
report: 10,43
